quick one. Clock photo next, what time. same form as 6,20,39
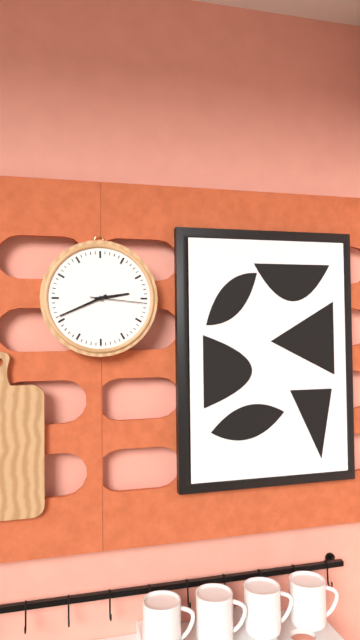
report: 2,41,16
